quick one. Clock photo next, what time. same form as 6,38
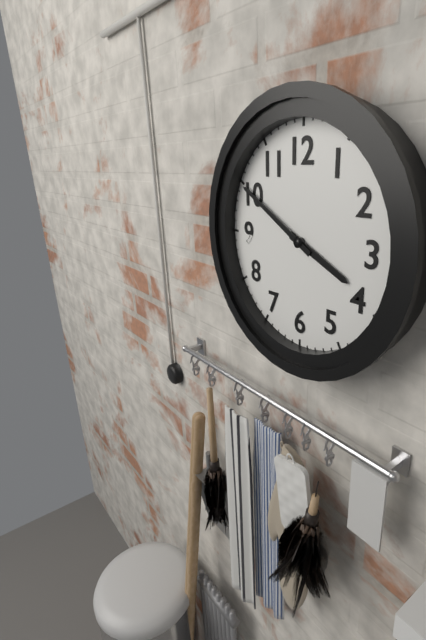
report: 3,50
